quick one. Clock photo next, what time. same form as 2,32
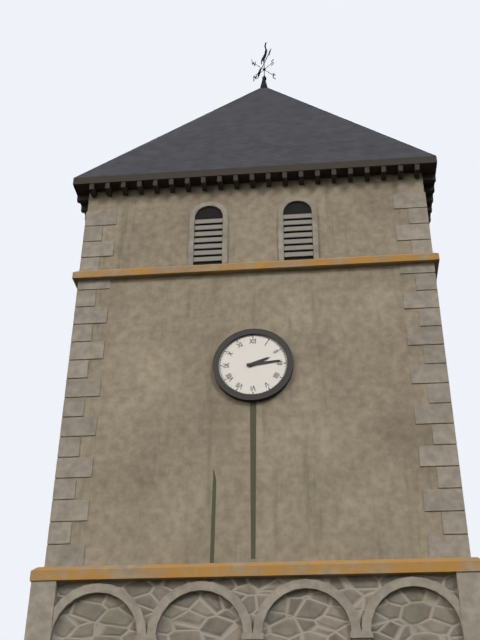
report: 2,14
